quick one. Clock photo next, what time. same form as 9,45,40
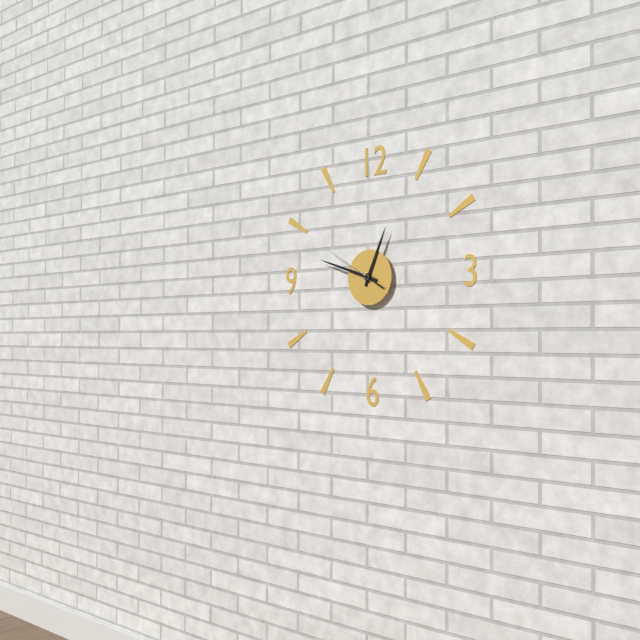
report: 12,48,50
